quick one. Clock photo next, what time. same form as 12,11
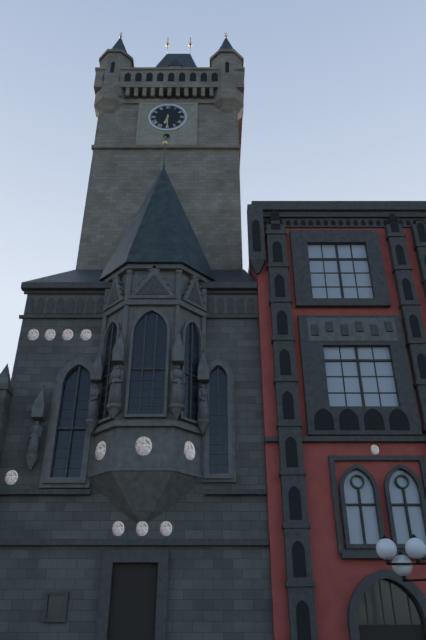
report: 6,30
